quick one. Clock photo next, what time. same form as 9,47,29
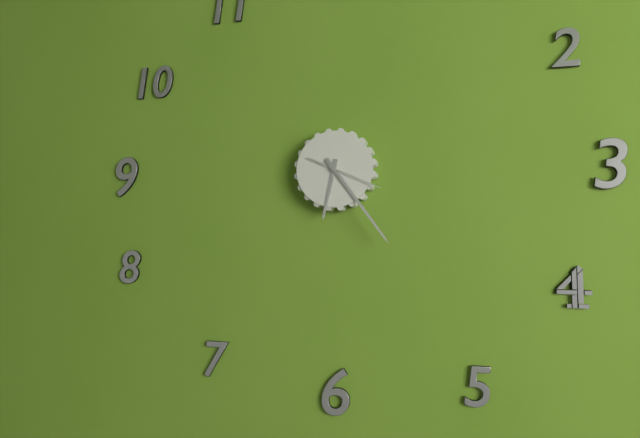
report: 6,24,19
